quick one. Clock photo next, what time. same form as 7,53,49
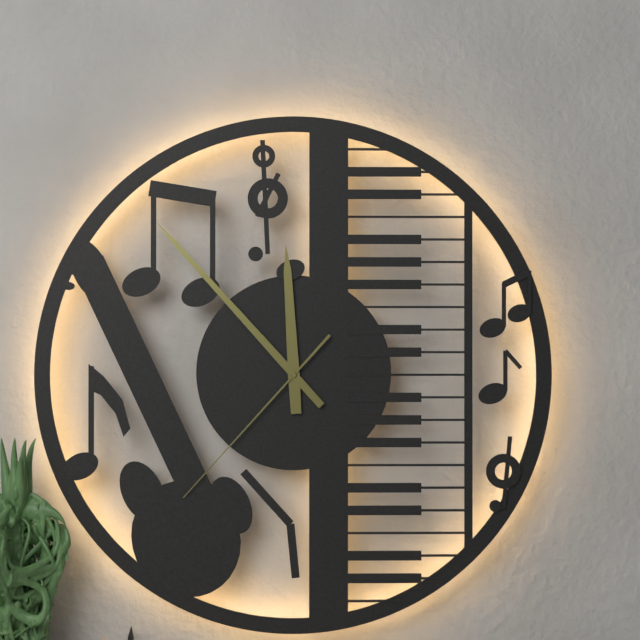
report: 11,53,37
